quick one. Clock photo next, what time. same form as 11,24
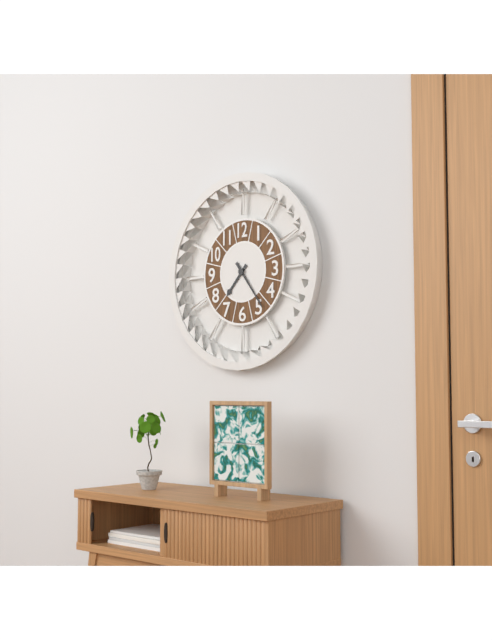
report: 7,24
